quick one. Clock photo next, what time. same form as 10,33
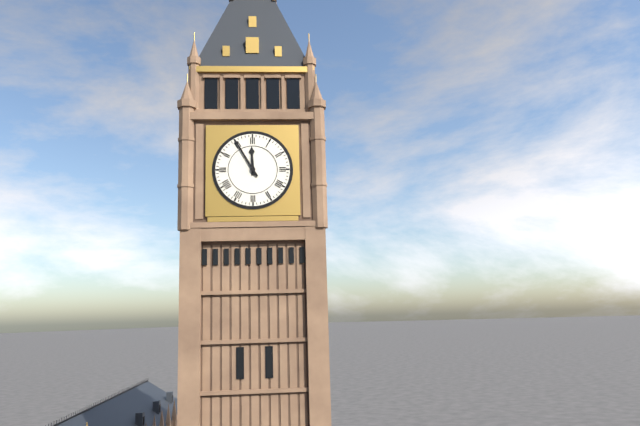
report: 11,55
